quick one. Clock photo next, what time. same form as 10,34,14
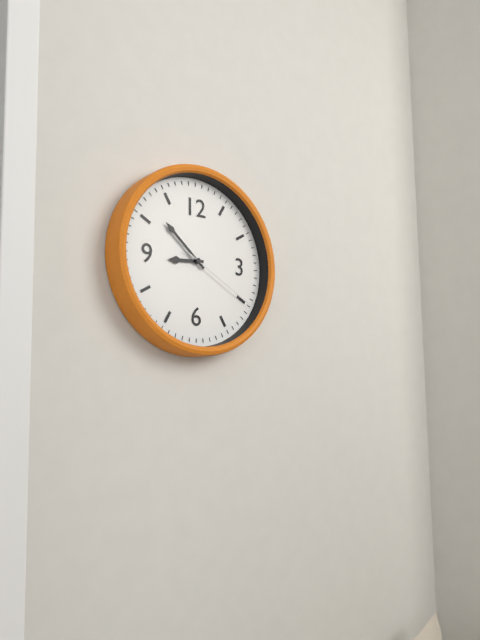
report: 8,52,20
